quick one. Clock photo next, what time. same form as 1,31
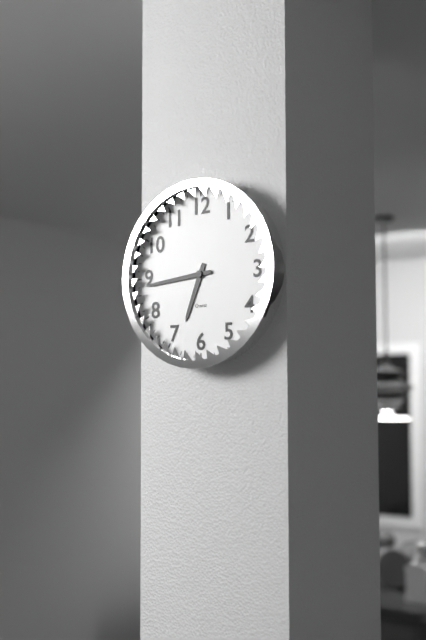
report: 6,44
